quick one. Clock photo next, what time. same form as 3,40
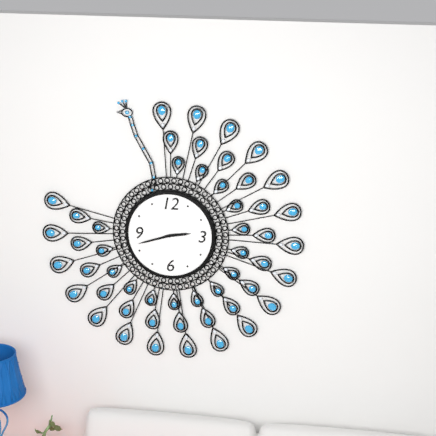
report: 2,42
